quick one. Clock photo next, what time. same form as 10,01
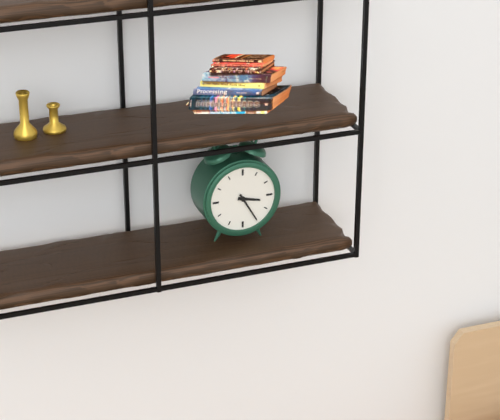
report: 3,25
